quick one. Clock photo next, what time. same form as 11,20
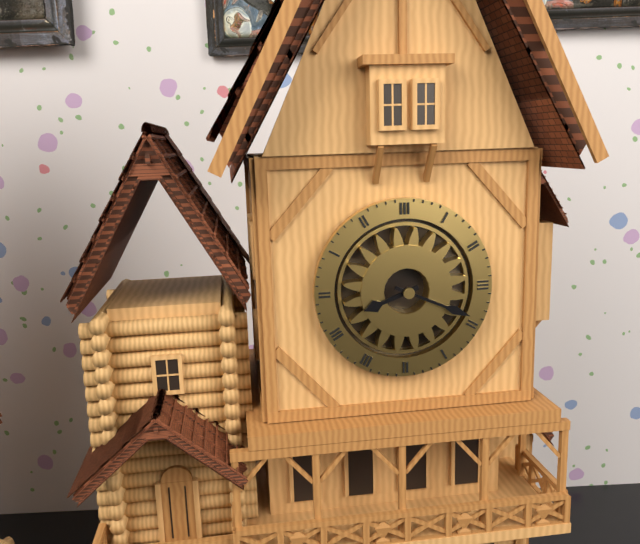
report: 8,19
